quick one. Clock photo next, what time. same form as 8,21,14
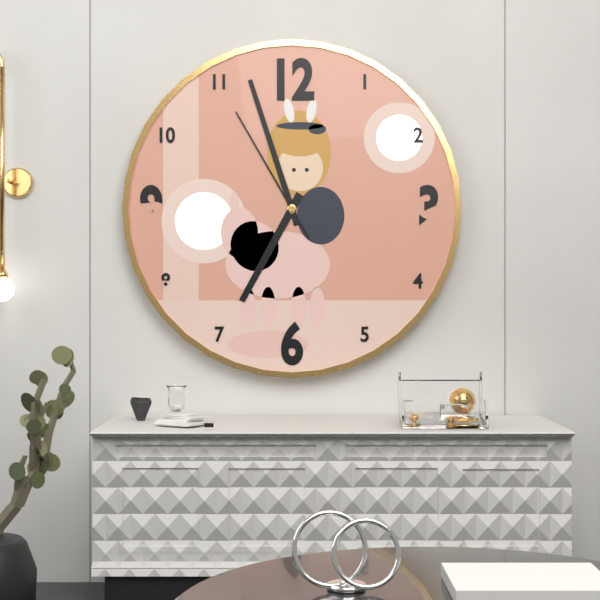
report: 6,57,55
